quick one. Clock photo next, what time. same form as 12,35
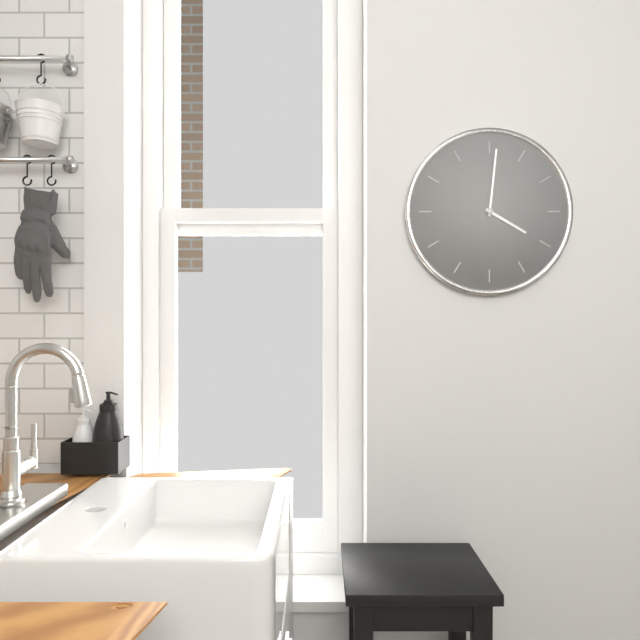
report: 4,01
